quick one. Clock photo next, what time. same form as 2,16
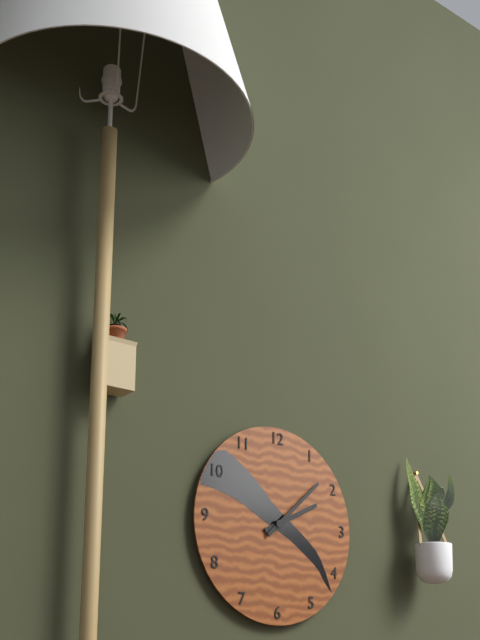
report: 2,08
